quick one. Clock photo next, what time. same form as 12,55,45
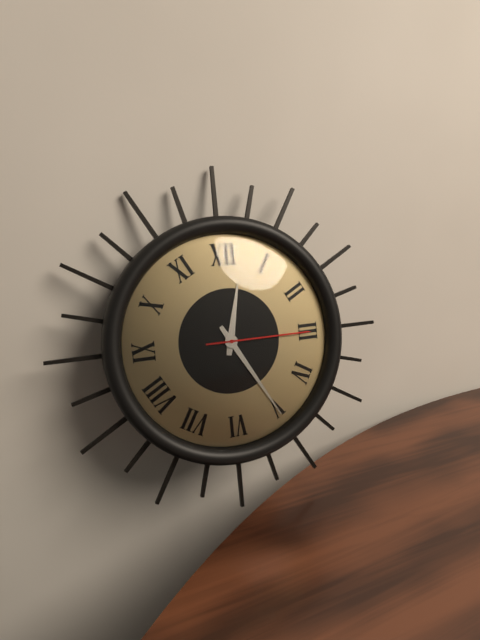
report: 12,25,15
